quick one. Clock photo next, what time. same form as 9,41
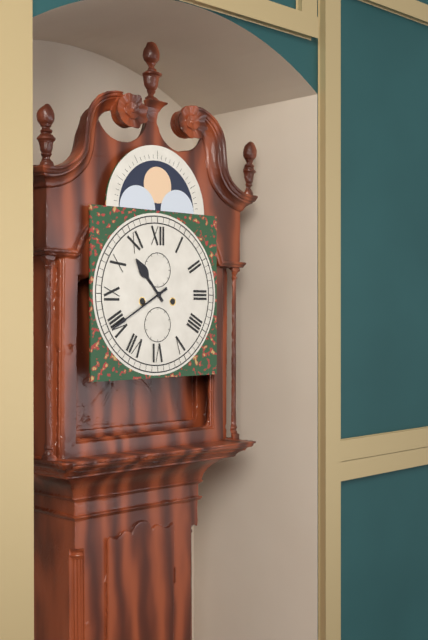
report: 10,40
